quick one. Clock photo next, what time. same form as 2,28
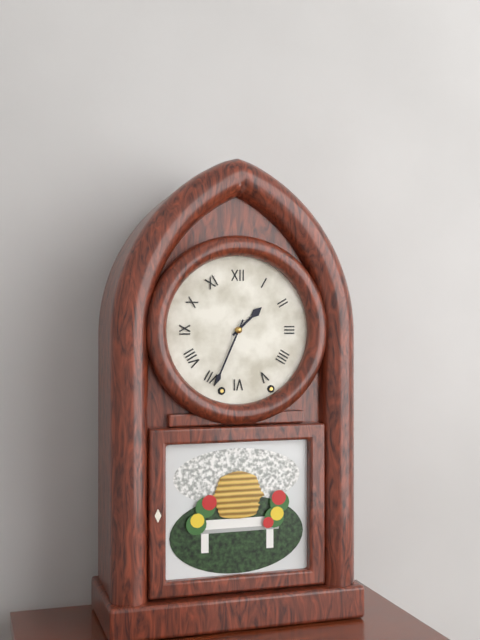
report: 1,34
